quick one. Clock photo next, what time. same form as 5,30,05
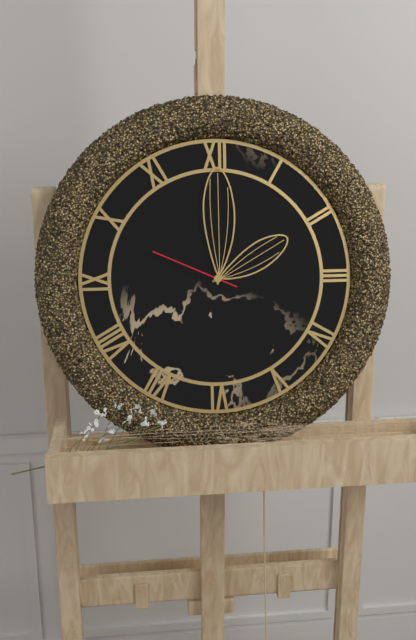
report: 2,00,49
